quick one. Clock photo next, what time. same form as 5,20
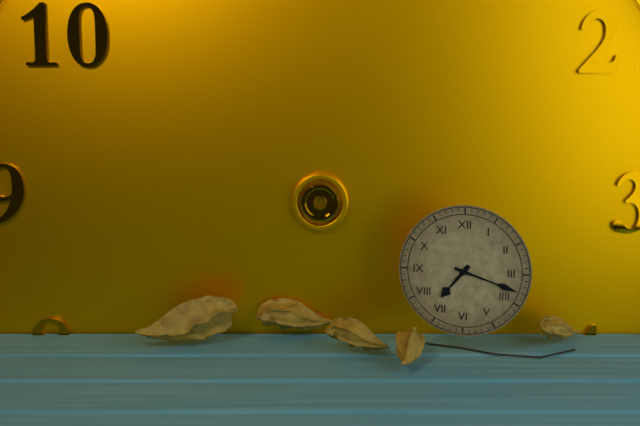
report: 7,18
